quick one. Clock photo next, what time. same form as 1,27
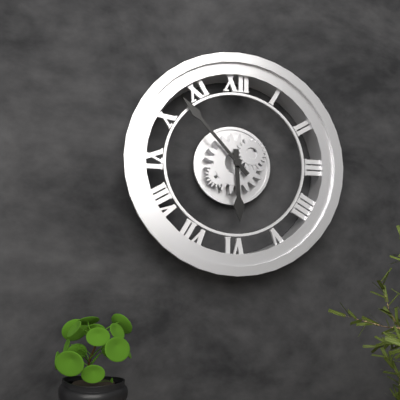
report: 5,53
